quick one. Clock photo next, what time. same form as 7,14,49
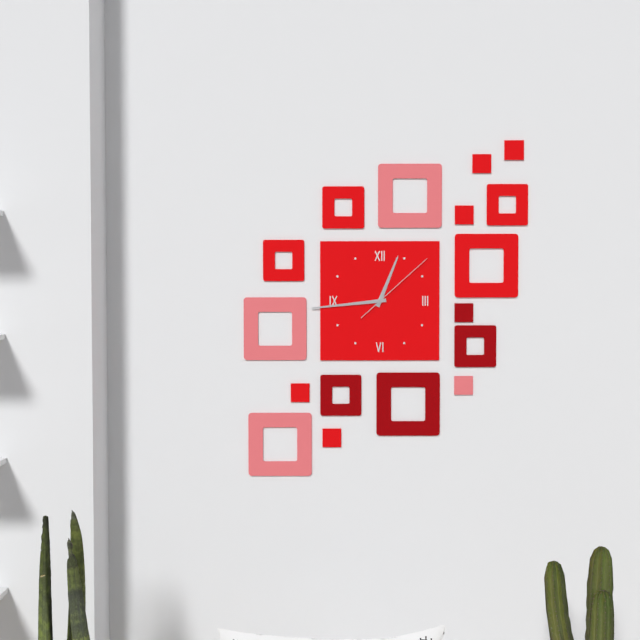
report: 12,44,08
